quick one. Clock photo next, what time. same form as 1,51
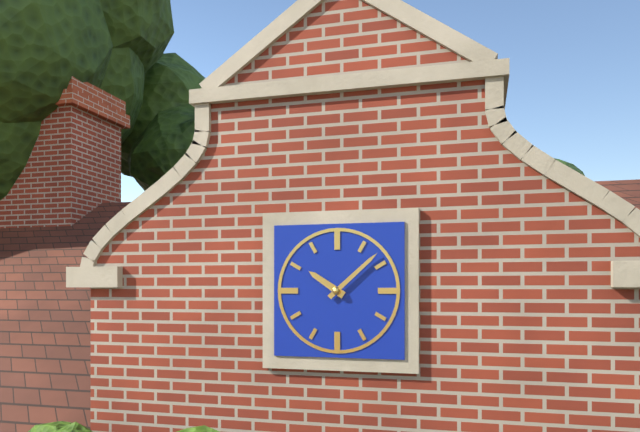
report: 10,08
